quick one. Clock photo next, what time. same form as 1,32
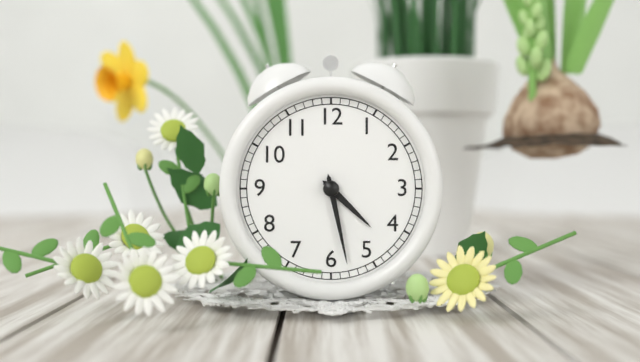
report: 4,28
